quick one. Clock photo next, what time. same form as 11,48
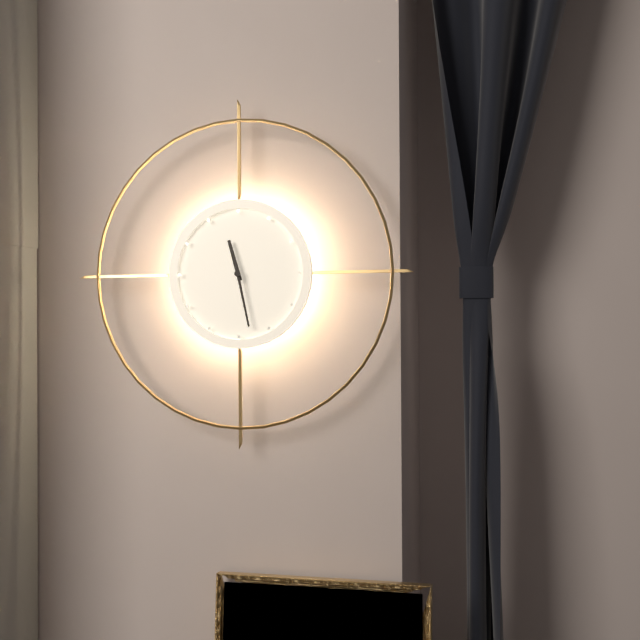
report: 11,28
